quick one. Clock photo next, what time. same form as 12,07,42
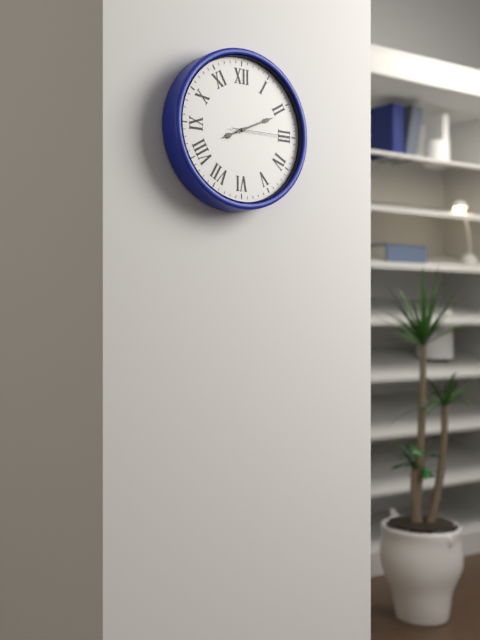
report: 8,11,15
